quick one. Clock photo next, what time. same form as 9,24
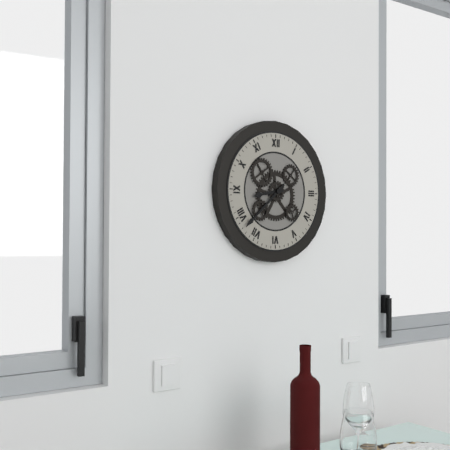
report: 8,38
